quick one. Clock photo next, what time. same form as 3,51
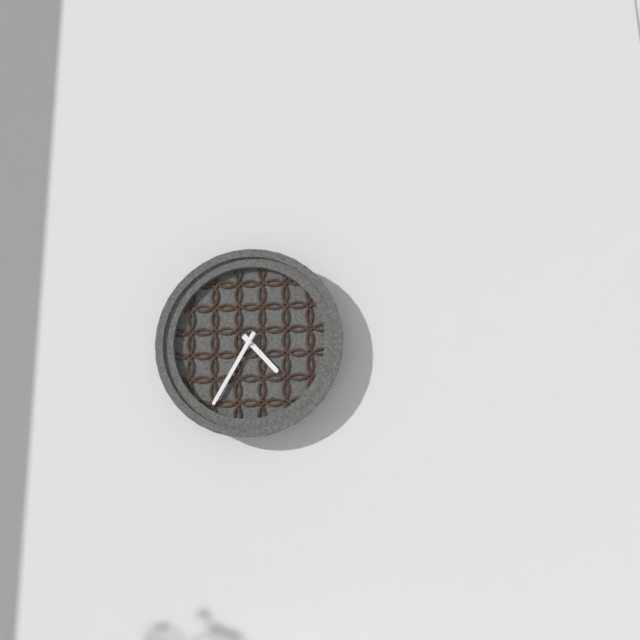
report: 4,35
